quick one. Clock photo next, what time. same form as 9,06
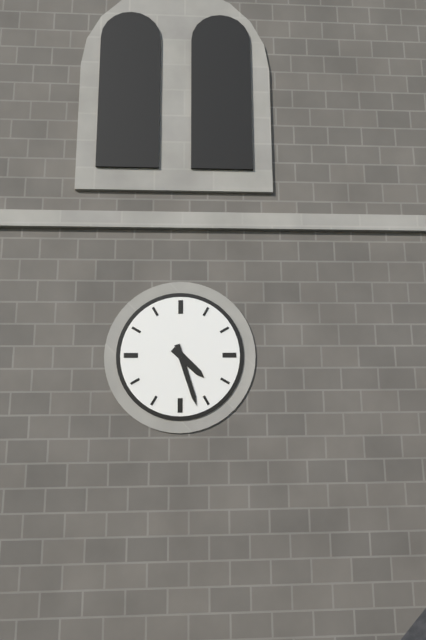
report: 4,27
